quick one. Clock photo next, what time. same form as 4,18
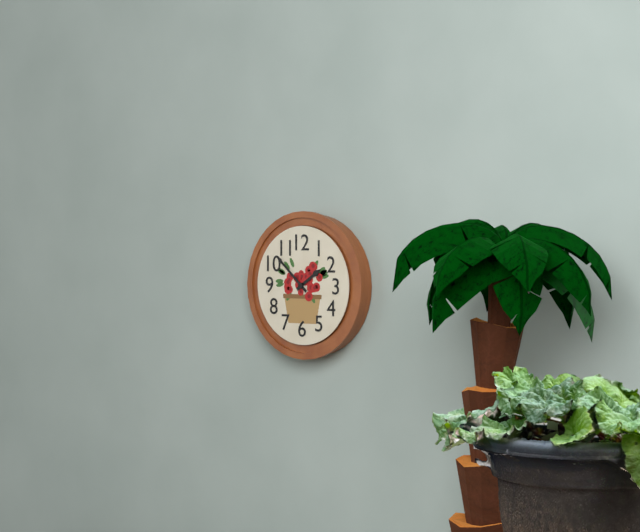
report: 1,52
